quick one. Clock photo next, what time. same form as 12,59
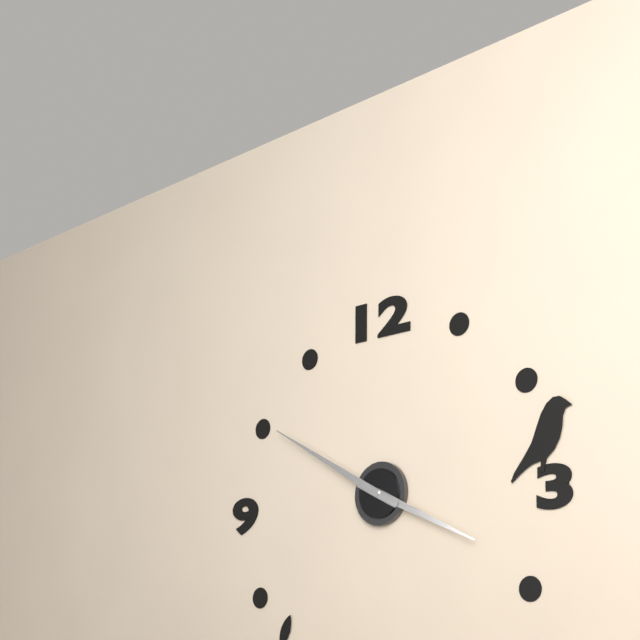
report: 3,50
